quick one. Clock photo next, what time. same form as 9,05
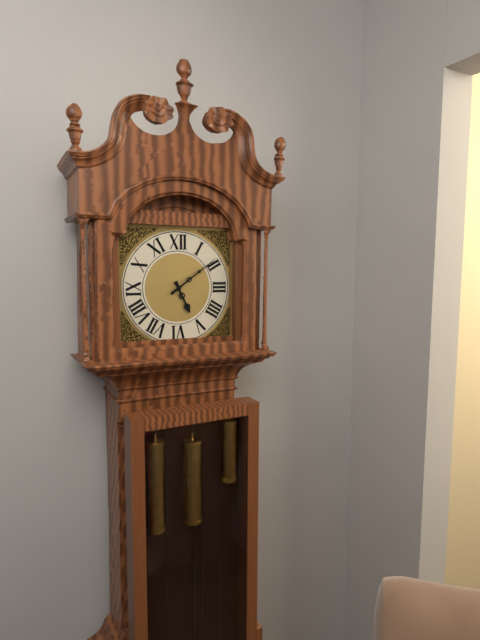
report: 5,09
